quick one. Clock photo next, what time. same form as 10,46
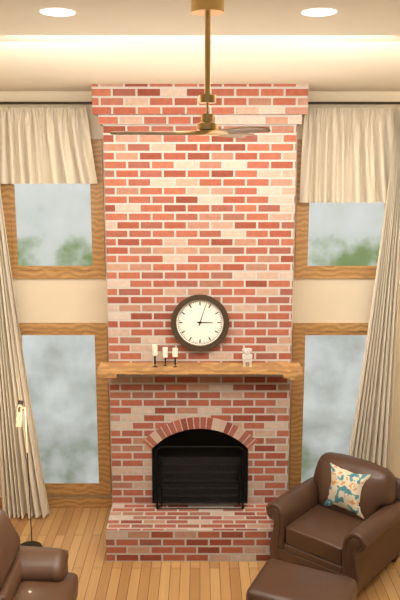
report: 3,03
